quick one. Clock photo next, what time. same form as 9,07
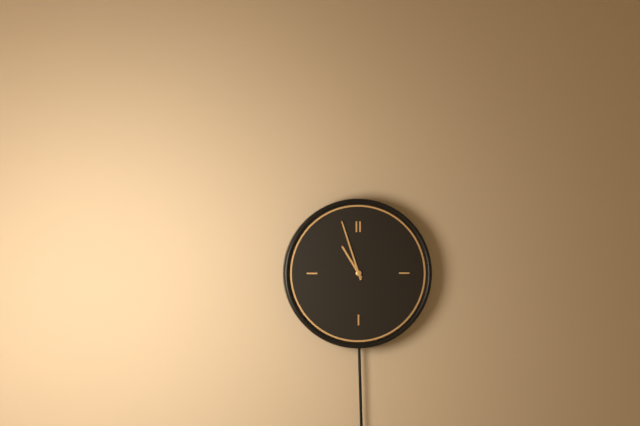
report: 10,57
